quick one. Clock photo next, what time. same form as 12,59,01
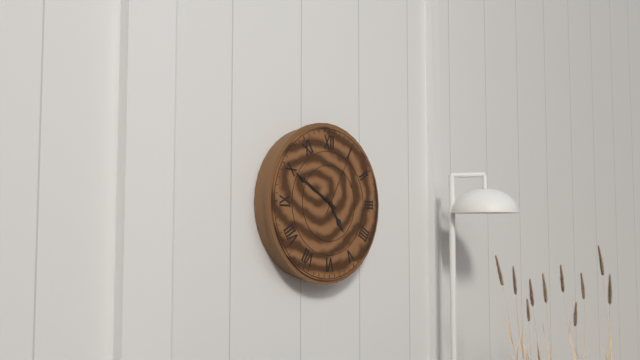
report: 4,50,05
